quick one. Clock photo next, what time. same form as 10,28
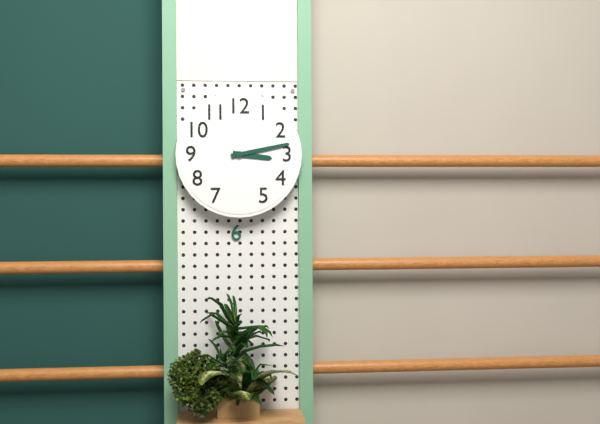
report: 3,13
